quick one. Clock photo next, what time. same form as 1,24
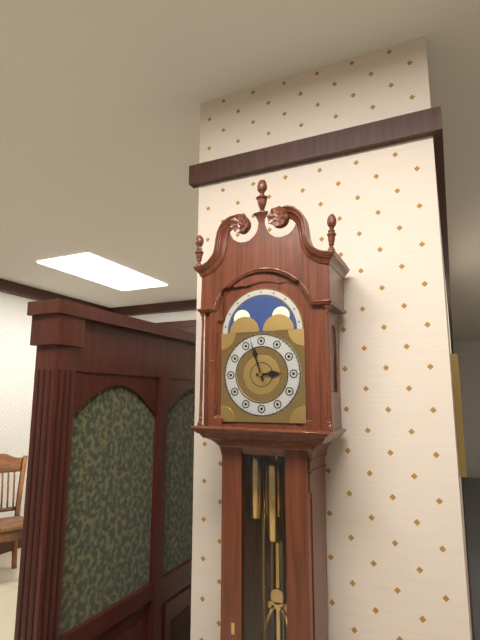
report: 2,57
